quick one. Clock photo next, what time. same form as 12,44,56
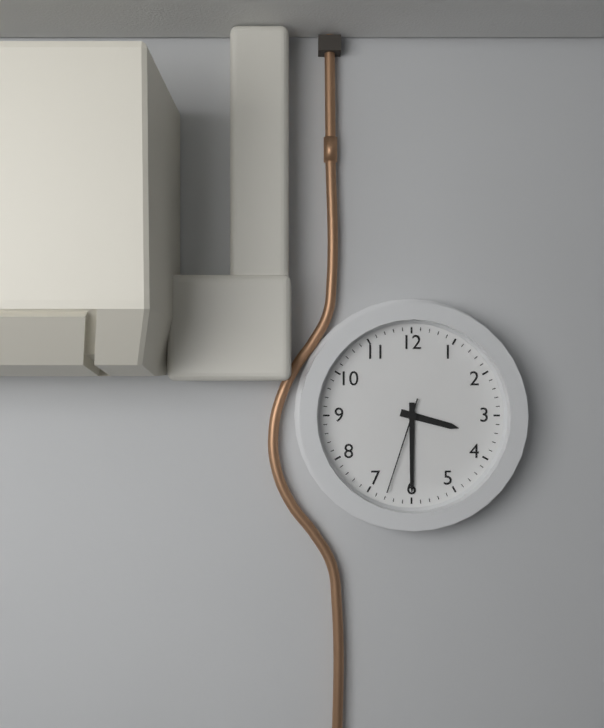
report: 3,30,33
